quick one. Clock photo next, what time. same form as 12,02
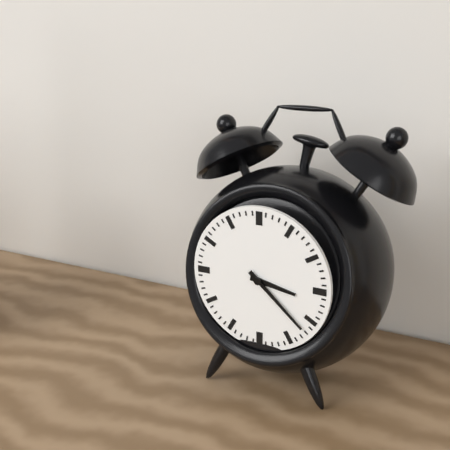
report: 3,22
